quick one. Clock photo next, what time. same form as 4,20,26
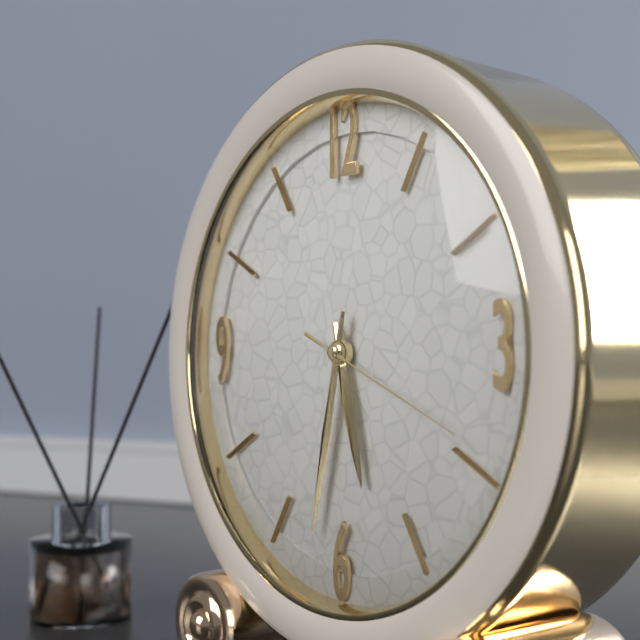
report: 5,32,19
